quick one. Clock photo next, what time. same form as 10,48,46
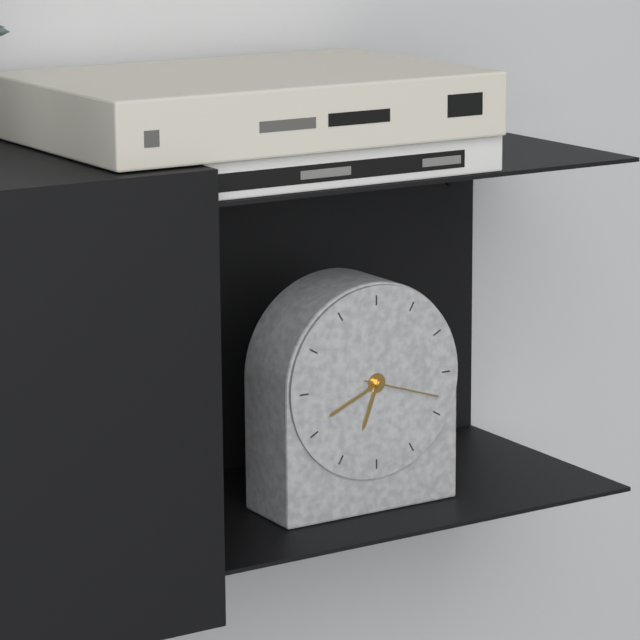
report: 6,41,18
